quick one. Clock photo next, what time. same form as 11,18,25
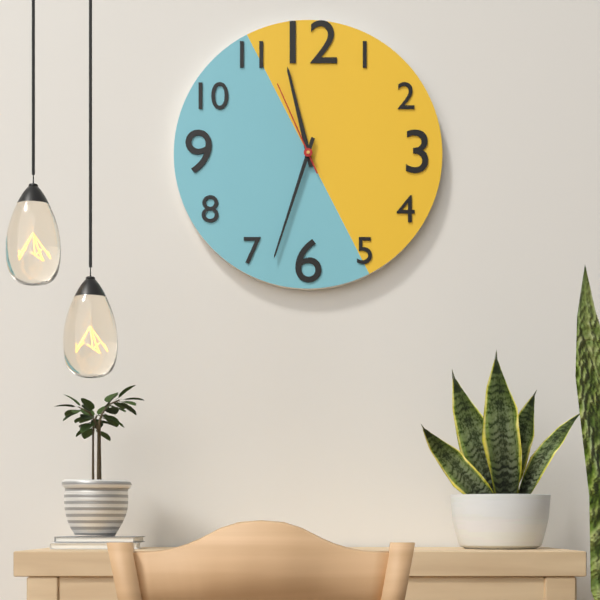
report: 11,33,56
